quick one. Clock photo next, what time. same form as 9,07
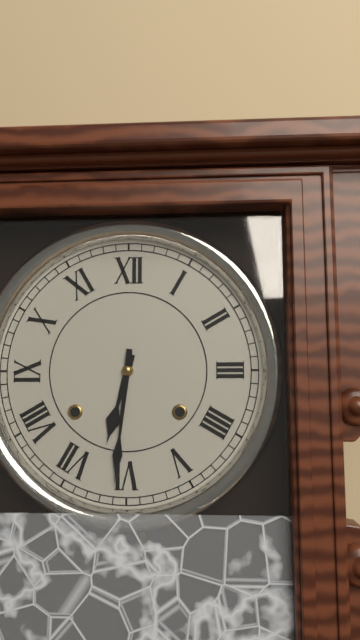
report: 6,31
